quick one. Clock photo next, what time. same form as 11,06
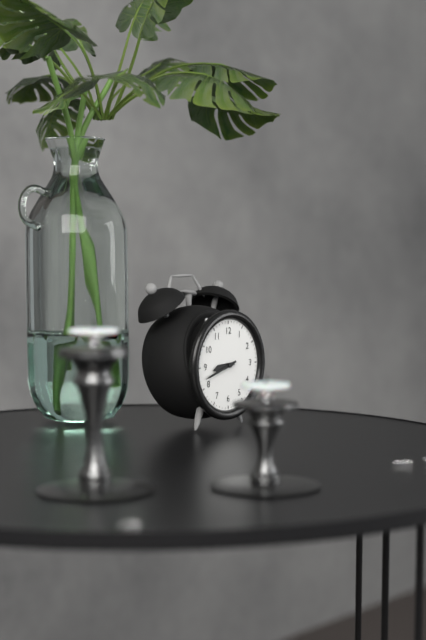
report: 8,42
